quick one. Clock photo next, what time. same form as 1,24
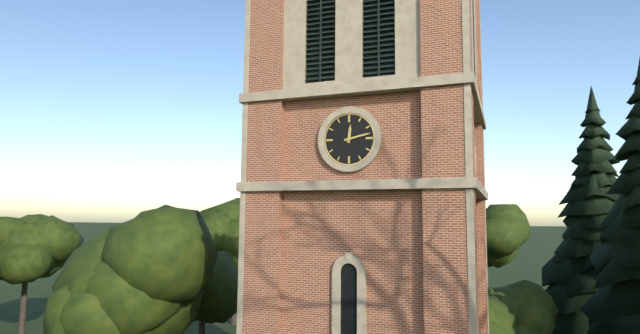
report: 12,13
